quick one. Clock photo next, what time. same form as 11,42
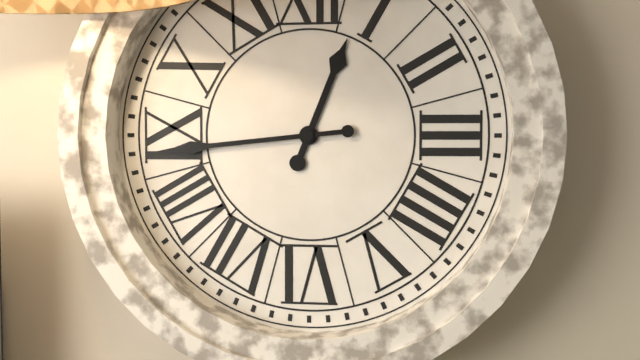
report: 12,44
